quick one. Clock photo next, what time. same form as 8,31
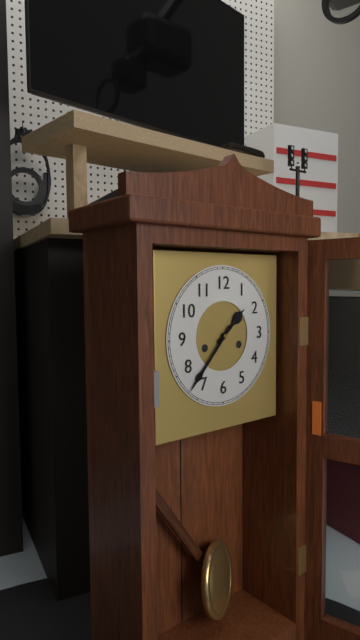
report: 1,37
